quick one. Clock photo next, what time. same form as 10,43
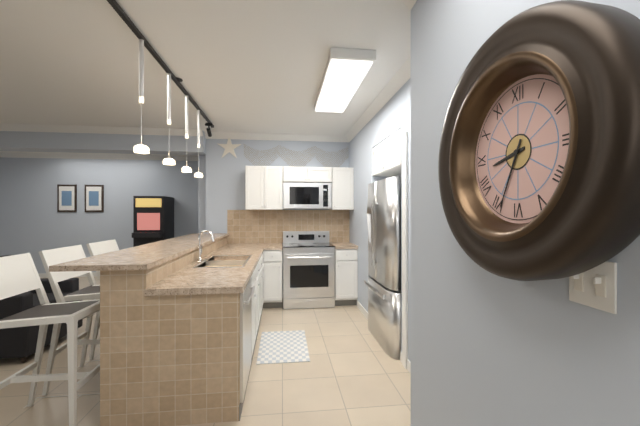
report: 8,34
